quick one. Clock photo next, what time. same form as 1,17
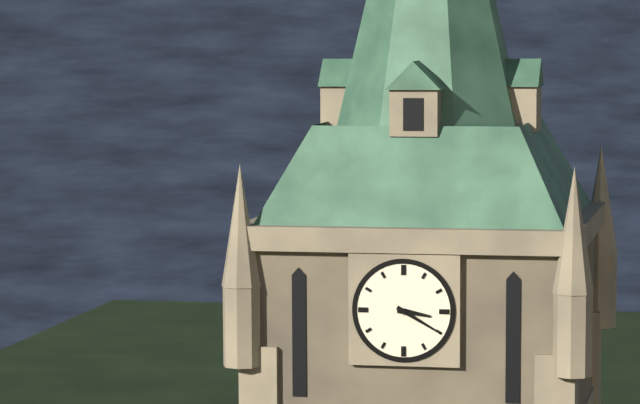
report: 3,20
